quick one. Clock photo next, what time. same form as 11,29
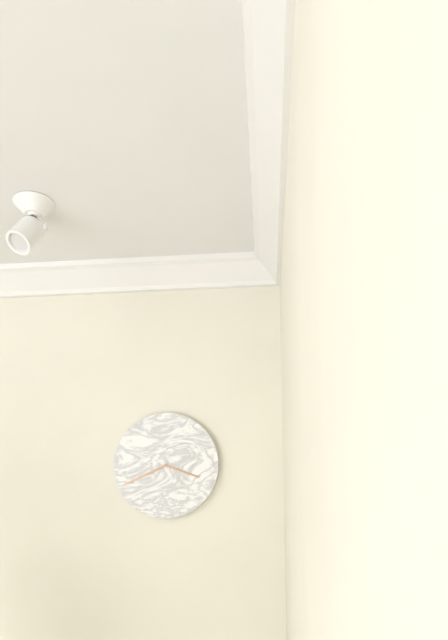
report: 3,41
